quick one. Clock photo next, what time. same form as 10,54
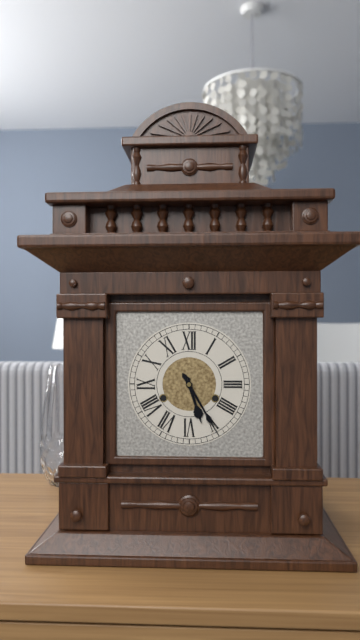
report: 5,25
